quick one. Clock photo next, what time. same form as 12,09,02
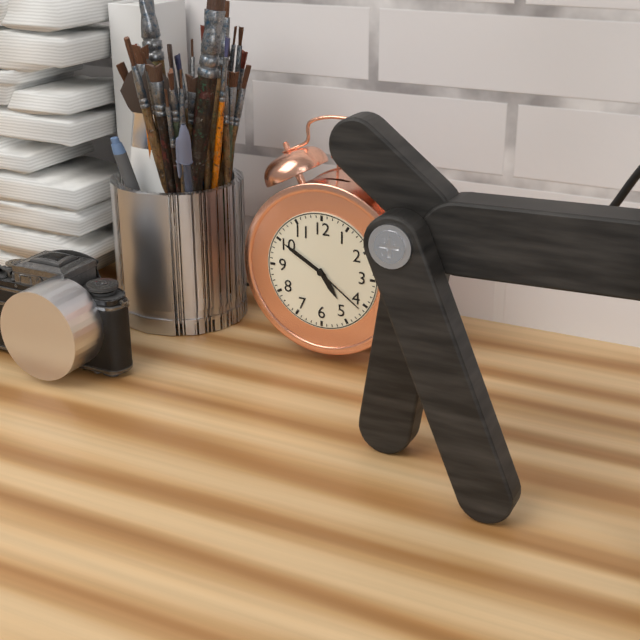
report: 4,50,21
